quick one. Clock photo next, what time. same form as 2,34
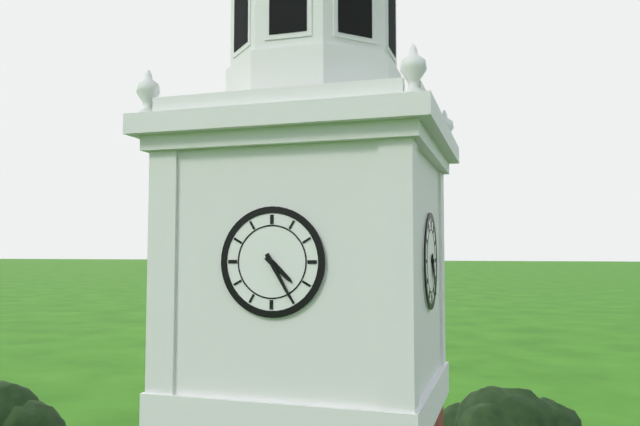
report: 4,25
